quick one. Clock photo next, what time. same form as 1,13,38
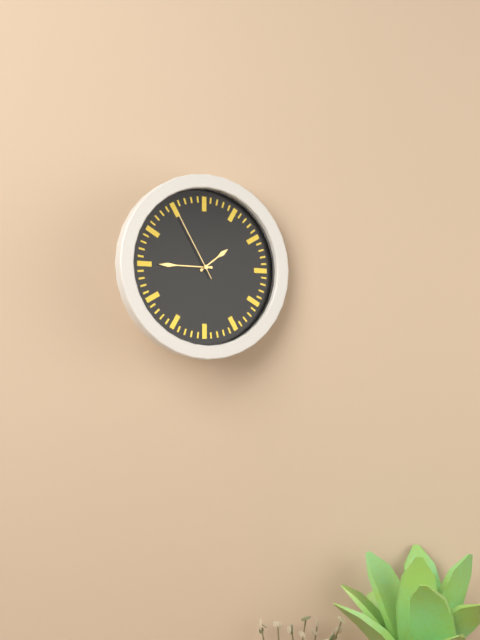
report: 1,45,55
